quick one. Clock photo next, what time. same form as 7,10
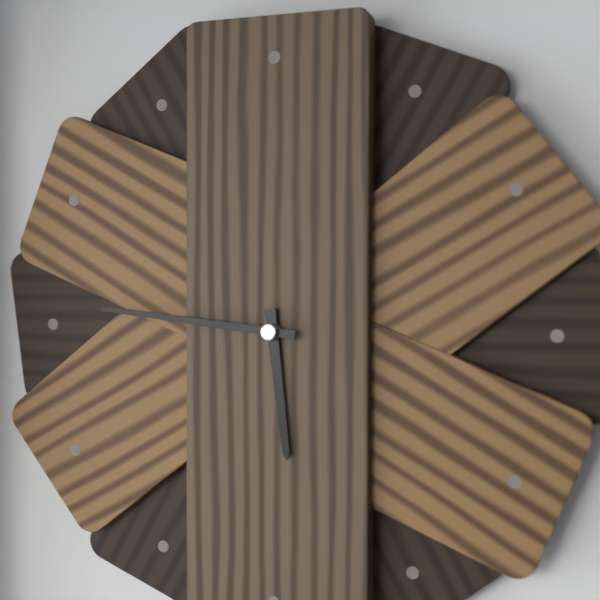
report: 5,46
